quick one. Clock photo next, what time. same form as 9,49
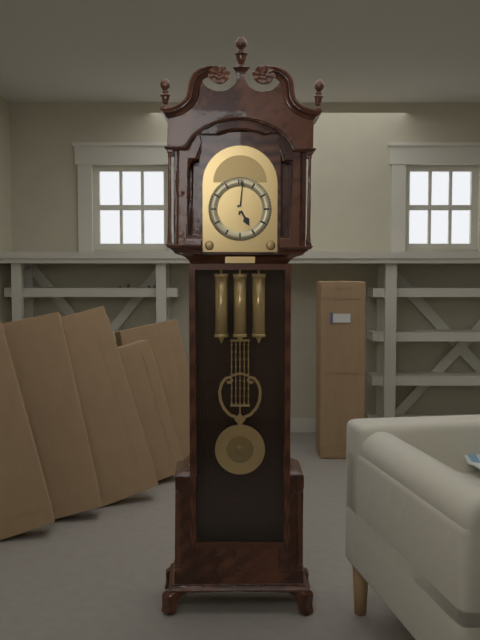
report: 5,01
